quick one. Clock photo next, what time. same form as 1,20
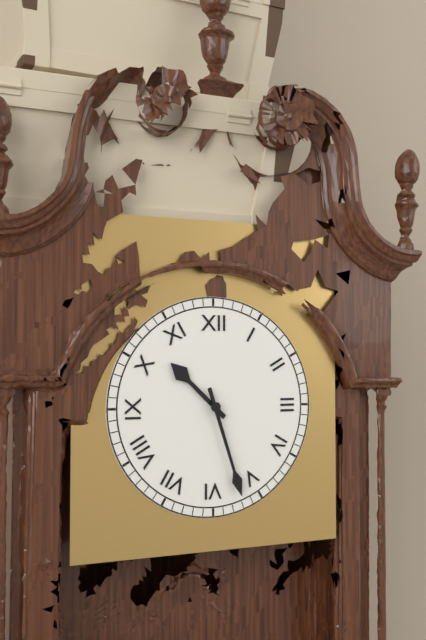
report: 10,27
